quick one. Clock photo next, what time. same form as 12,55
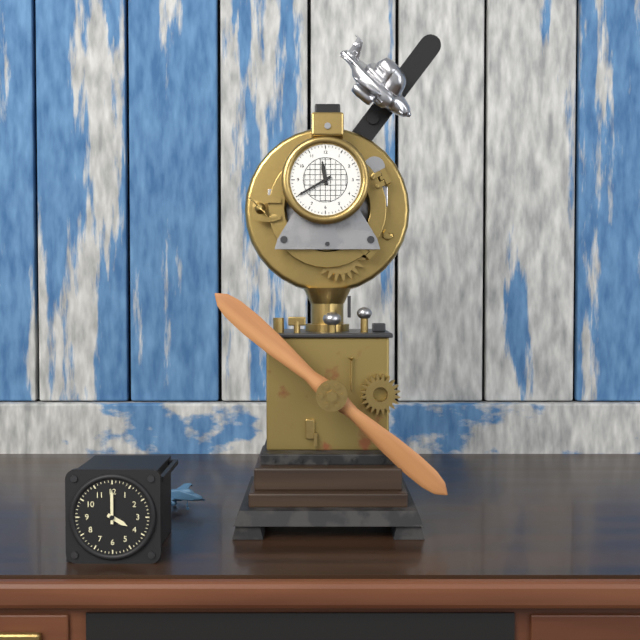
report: 11,40
